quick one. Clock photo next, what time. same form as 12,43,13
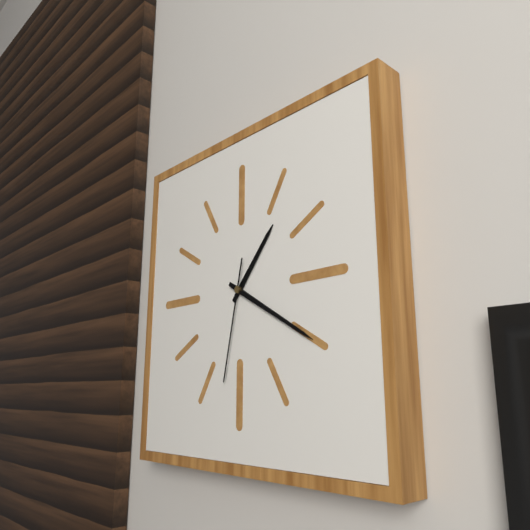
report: 1,20,32
